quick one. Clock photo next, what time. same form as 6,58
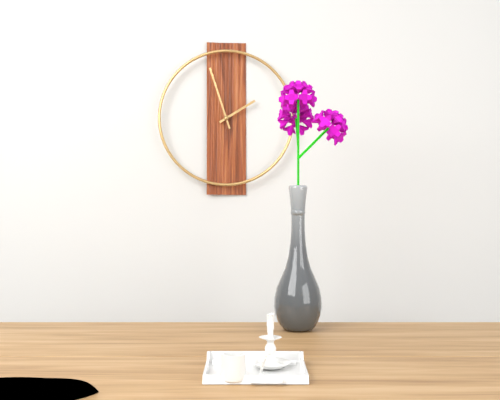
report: 1,57
